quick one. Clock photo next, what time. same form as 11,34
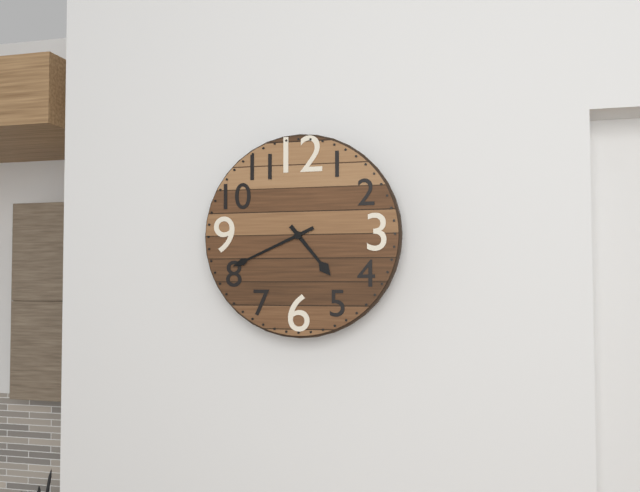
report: 4,41
